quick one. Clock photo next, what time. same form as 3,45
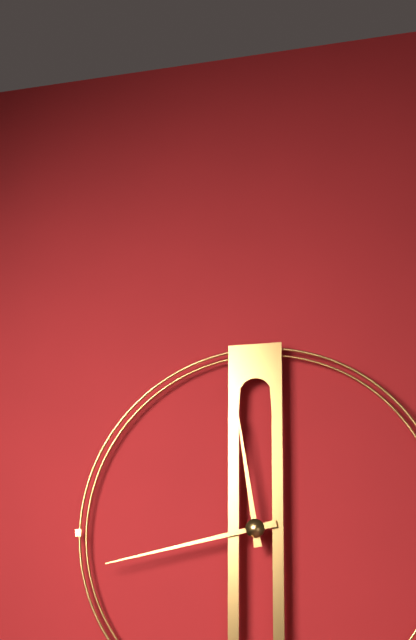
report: 11,43
